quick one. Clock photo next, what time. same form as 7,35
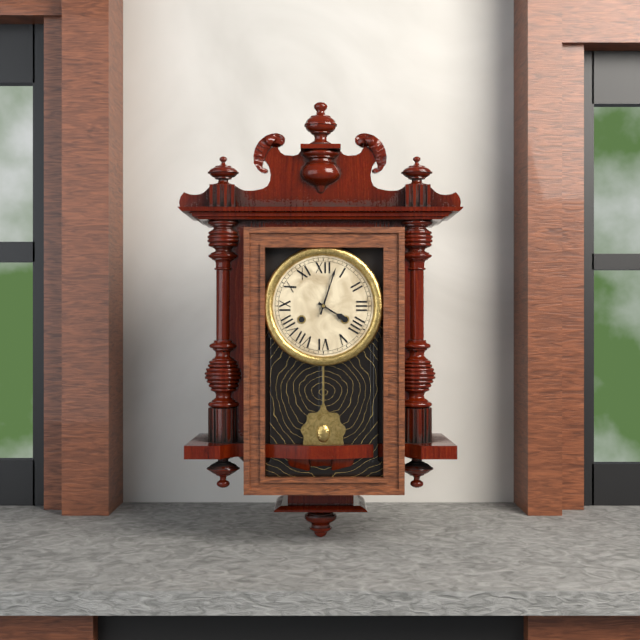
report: 4,03
